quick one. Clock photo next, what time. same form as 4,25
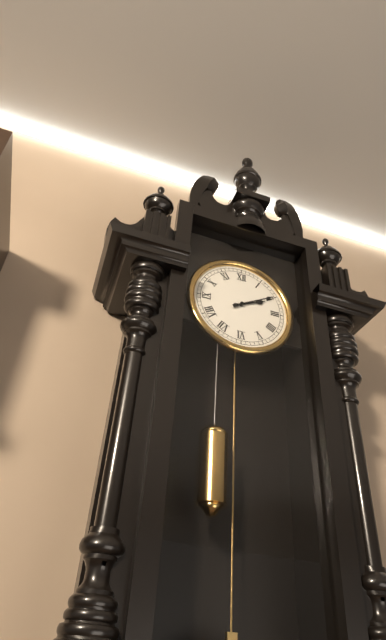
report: 2,10
